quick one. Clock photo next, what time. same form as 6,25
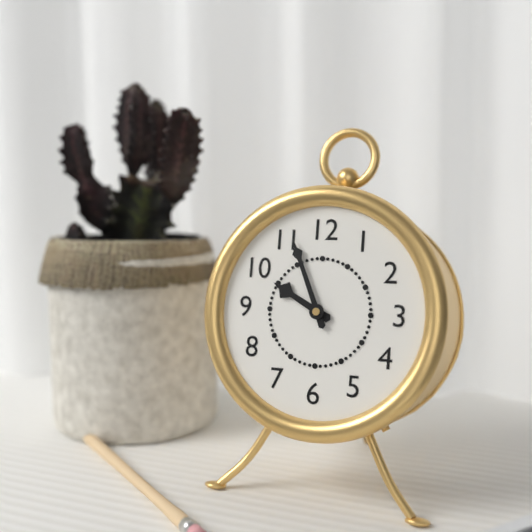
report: 9,56
